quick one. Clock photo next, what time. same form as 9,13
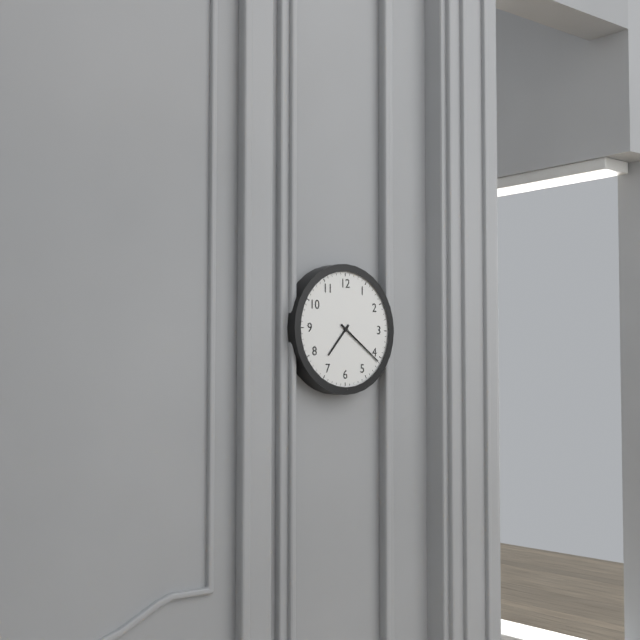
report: 7,21
